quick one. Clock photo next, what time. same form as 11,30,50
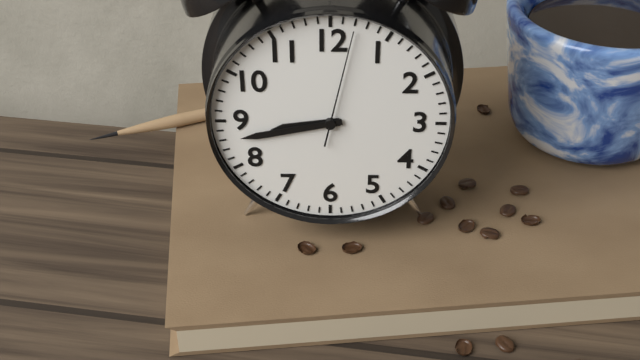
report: 8,43,02
